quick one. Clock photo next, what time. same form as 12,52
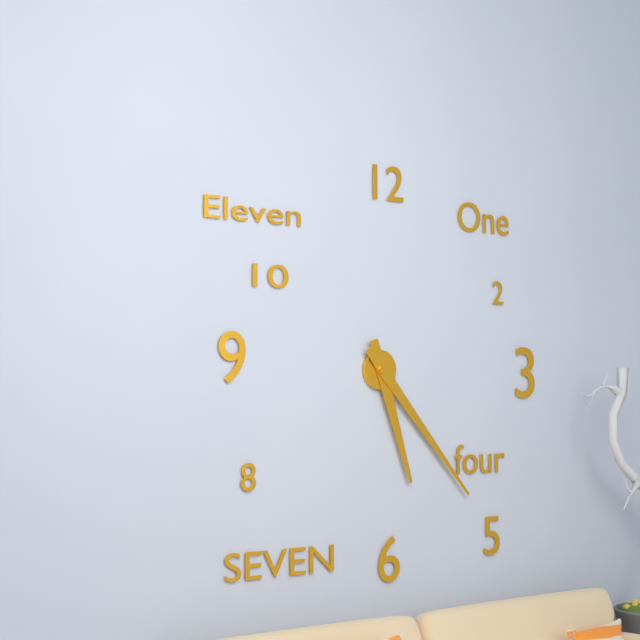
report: 5,23
